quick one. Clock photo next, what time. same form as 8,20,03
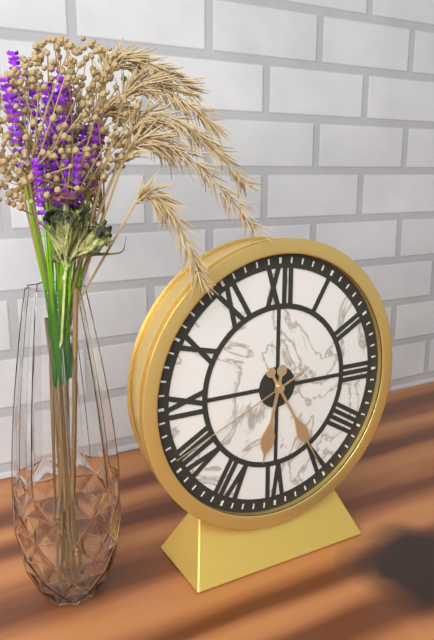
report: 6,25,41
